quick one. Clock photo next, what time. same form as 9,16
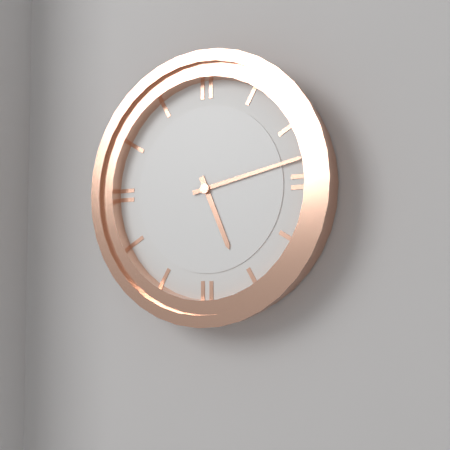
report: 5,13
